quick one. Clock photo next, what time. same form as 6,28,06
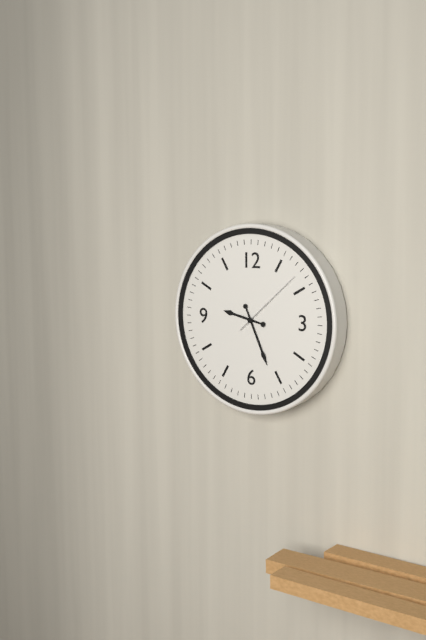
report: 9,26,08
